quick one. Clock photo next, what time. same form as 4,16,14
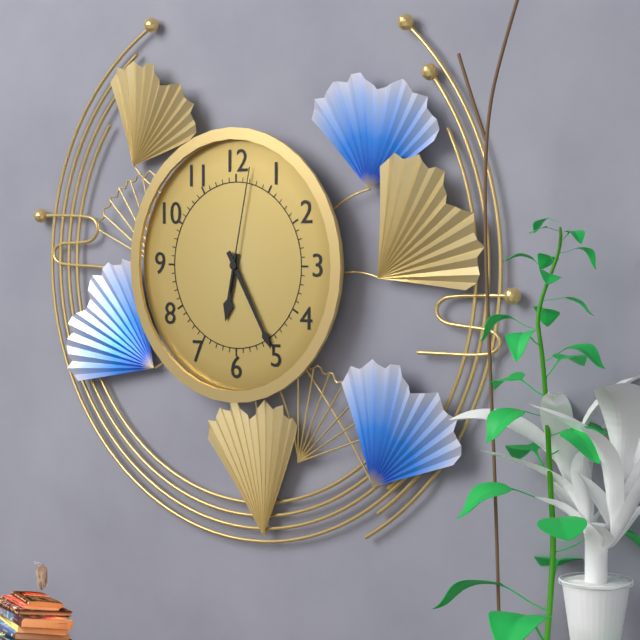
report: 6,25,02
